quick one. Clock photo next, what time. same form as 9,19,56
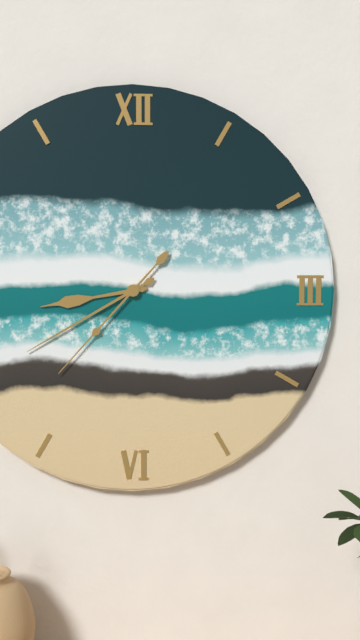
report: 8,40,37
